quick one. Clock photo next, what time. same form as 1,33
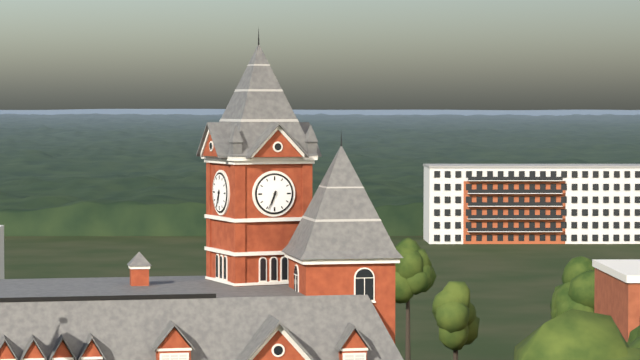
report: 6,34
